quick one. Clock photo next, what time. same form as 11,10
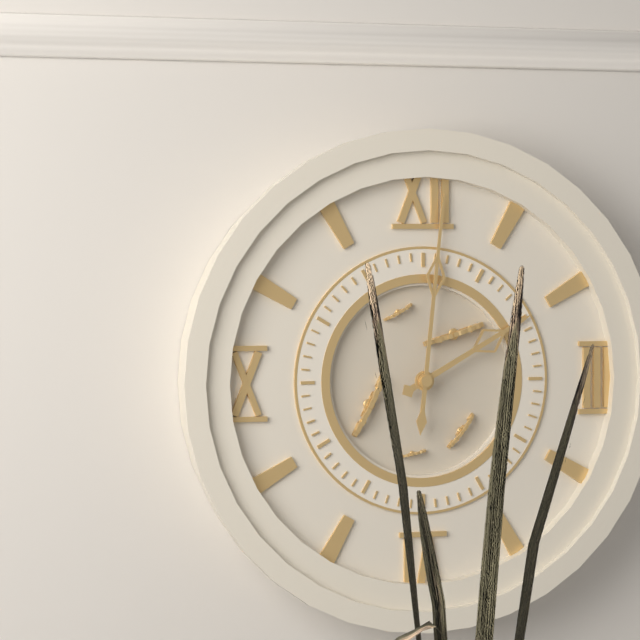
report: 2,01
